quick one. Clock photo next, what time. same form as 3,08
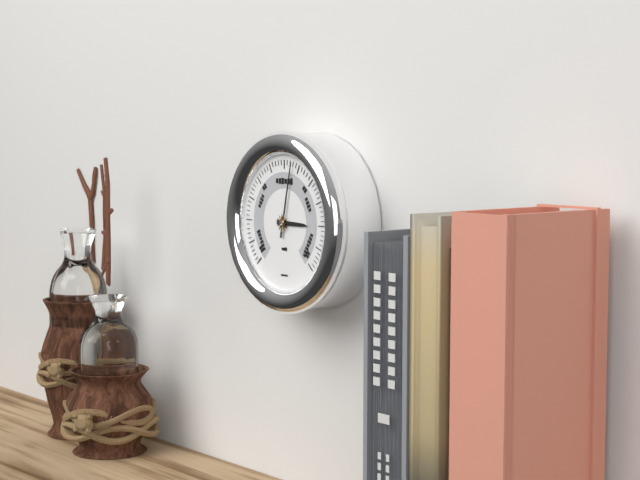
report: 3,02
